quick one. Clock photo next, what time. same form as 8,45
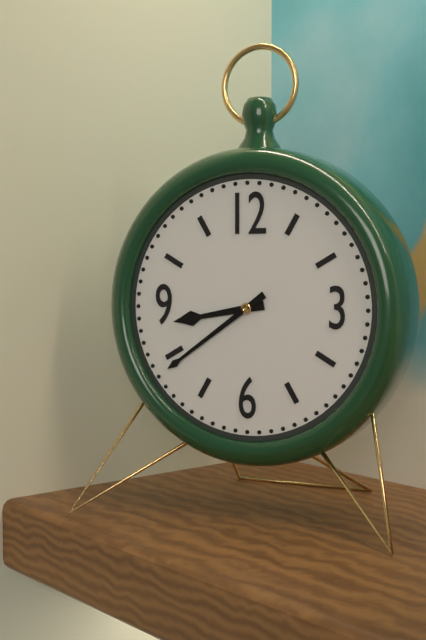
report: 8,39
